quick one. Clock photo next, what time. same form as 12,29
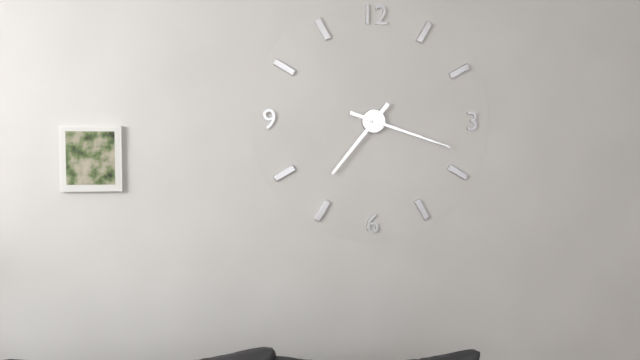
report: 7,18
